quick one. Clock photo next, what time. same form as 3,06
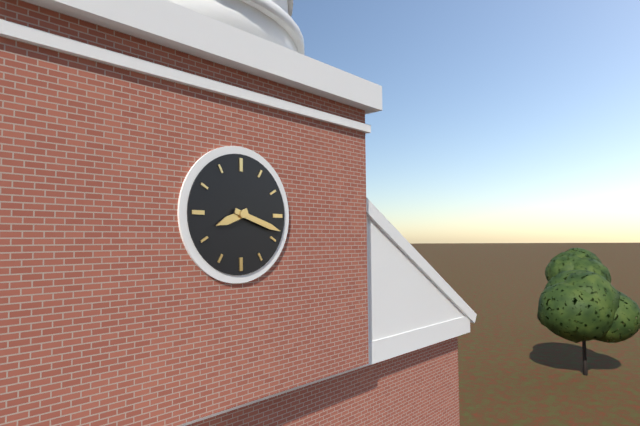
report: 8,18
